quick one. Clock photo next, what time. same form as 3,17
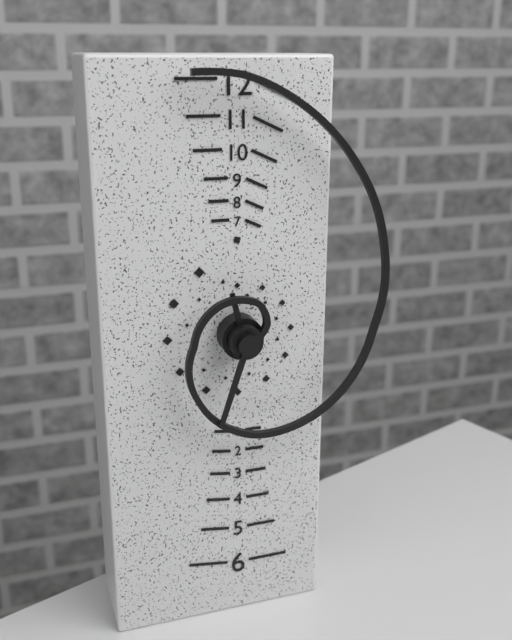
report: 11,33
